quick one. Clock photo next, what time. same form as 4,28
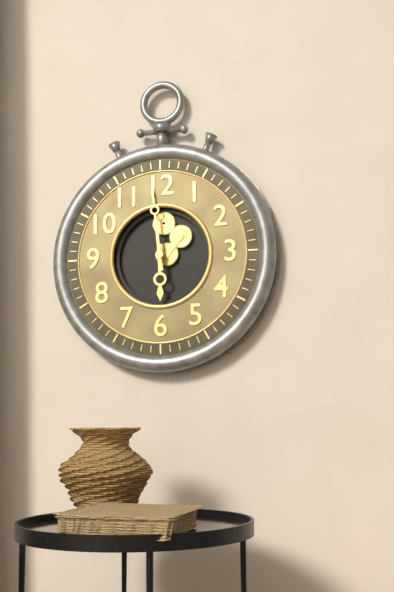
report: 5,59
